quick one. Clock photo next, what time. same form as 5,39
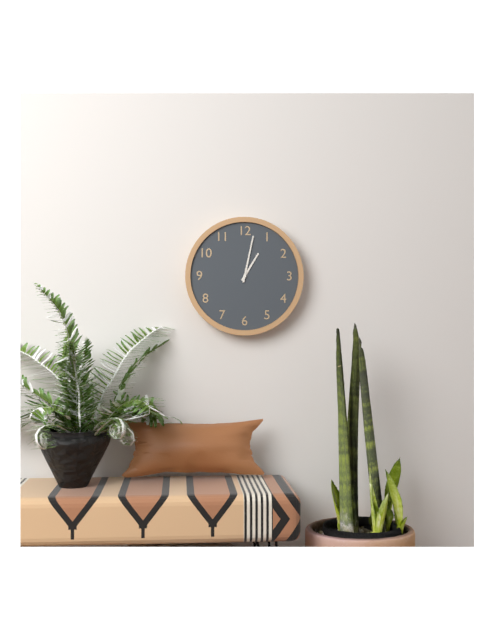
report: 1,02
